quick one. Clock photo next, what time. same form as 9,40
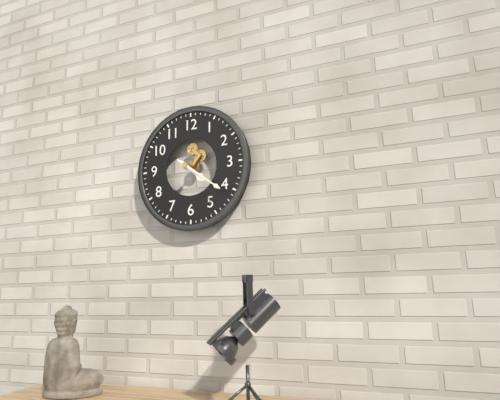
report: 4,21
